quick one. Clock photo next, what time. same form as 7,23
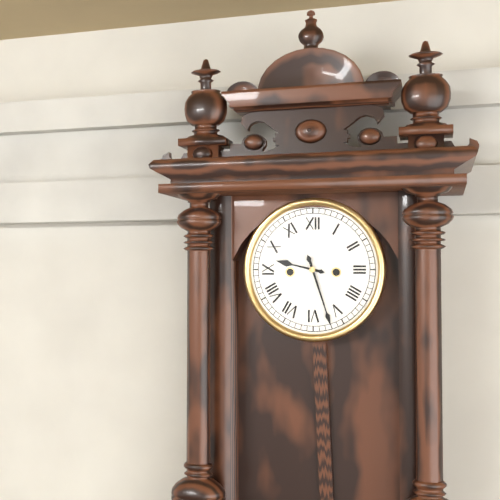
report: 9,27
